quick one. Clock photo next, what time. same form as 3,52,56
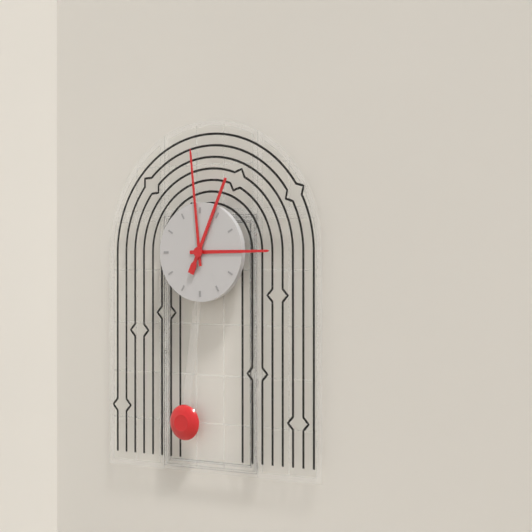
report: 2,59,04
